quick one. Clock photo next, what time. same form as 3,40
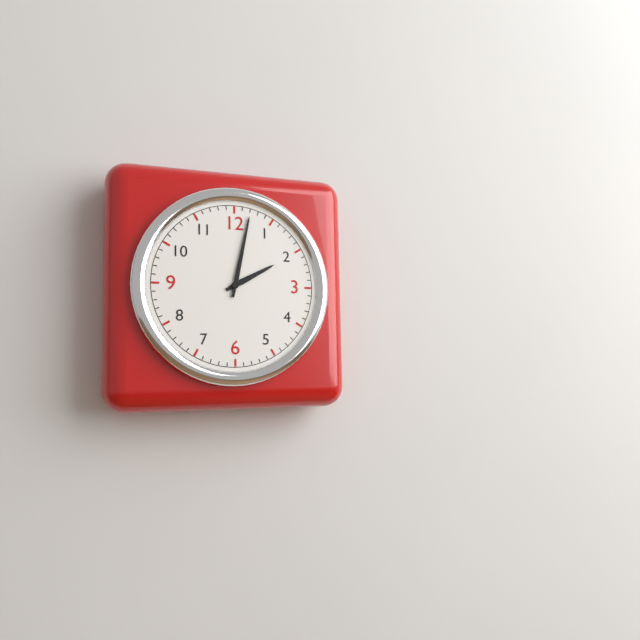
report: 2,02
